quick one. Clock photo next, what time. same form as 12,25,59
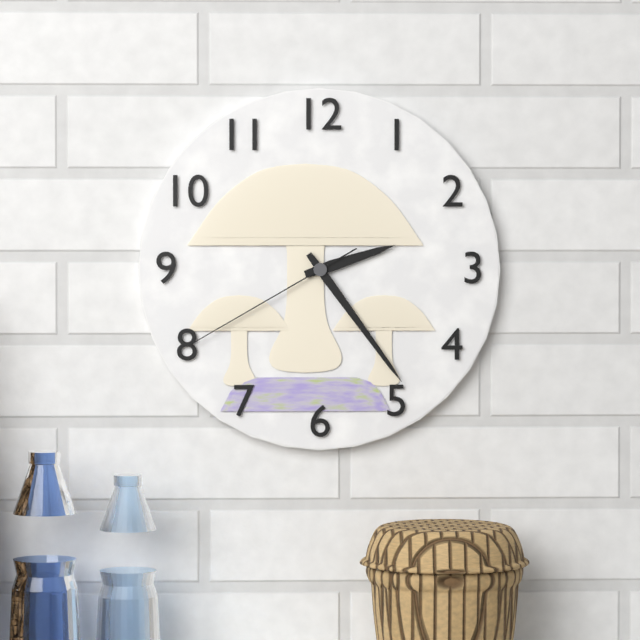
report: 2,24,40
